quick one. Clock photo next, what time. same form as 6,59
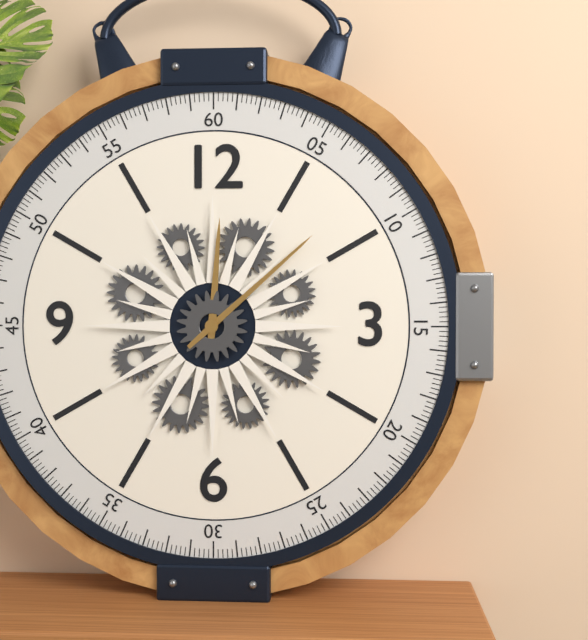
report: 12,08
